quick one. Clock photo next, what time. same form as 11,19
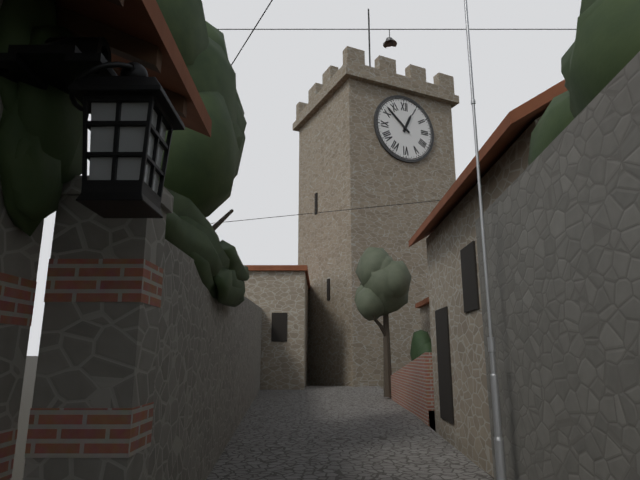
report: 12,52
